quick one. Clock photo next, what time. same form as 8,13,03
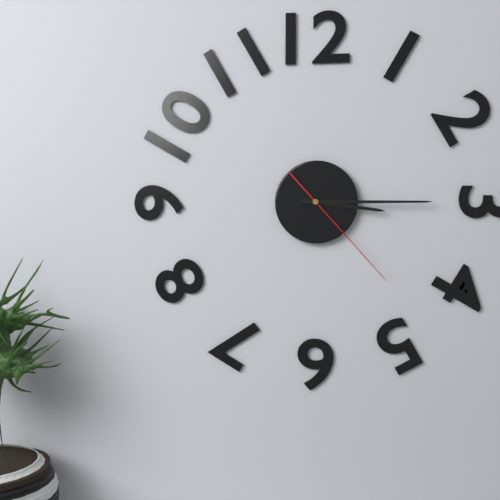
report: 3,15,23
